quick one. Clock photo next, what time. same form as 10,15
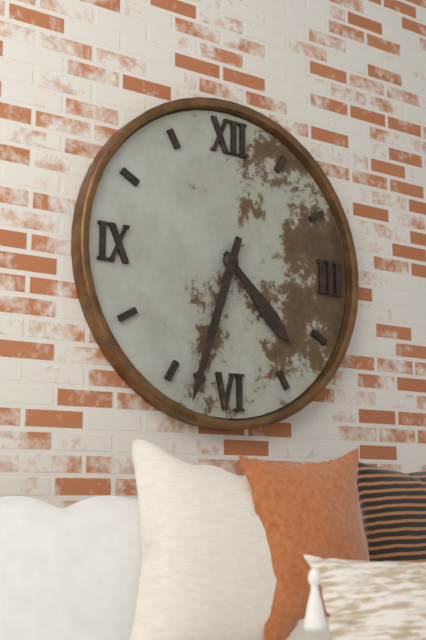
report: 4,33
